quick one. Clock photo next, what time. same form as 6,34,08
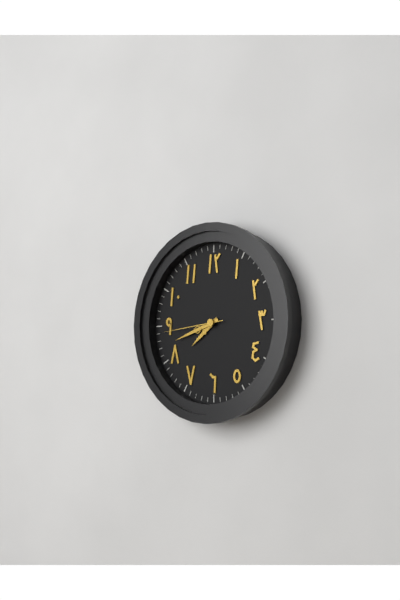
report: 7,42,44
